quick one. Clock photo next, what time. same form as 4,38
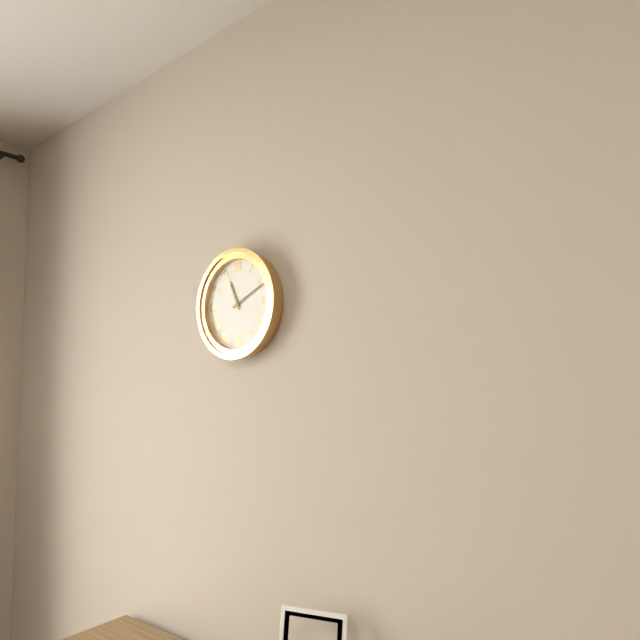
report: 11,11
